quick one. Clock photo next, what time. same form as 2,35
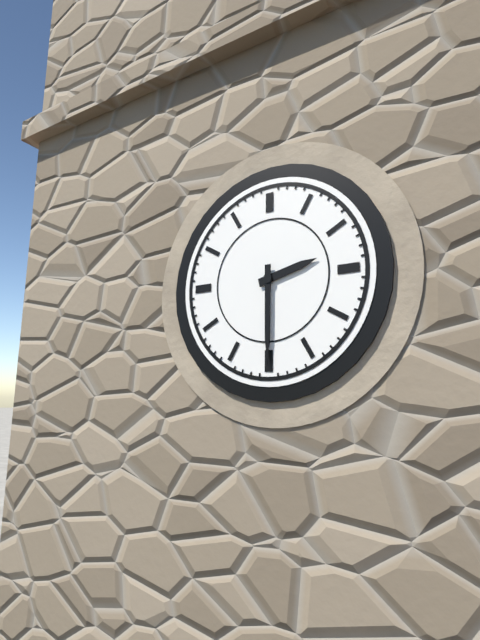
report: 2,30
